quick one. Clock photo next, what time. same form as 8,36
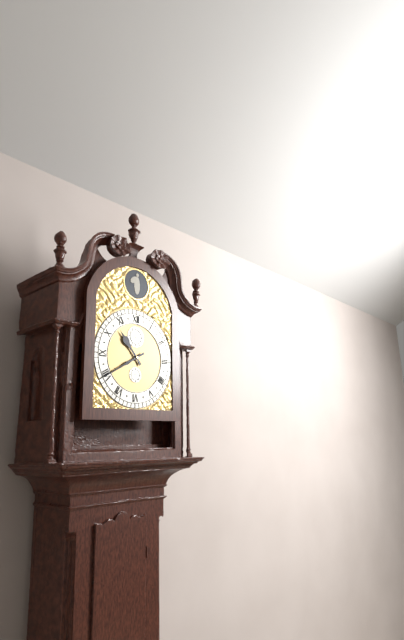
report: 10,40
